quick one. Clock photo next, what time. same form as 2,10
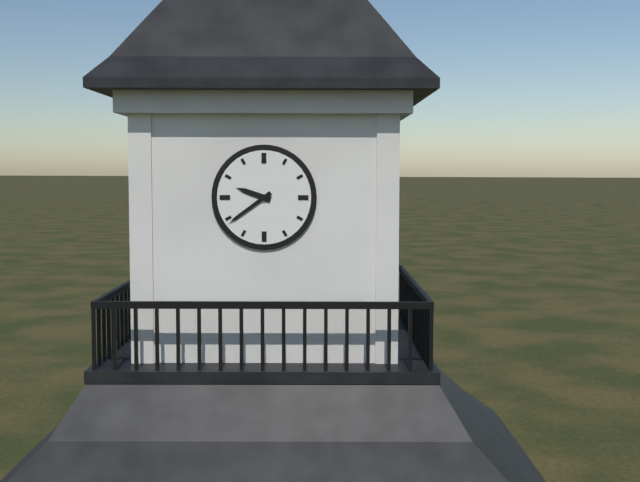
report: 9,39
